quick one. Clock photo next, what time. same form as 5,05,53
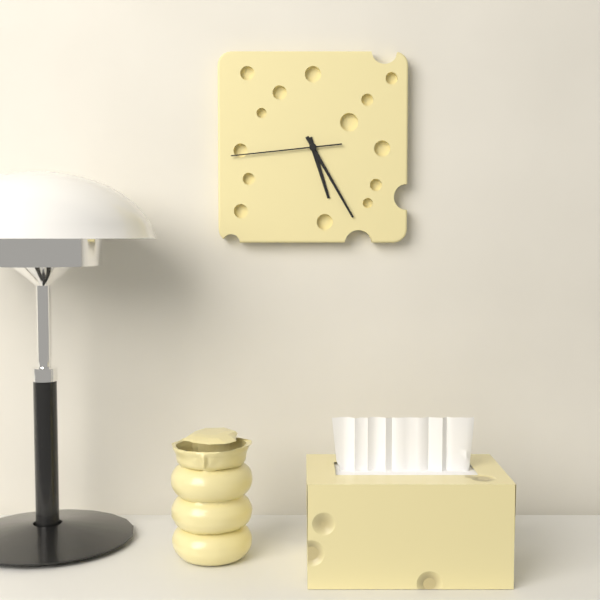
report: 5,25,44
